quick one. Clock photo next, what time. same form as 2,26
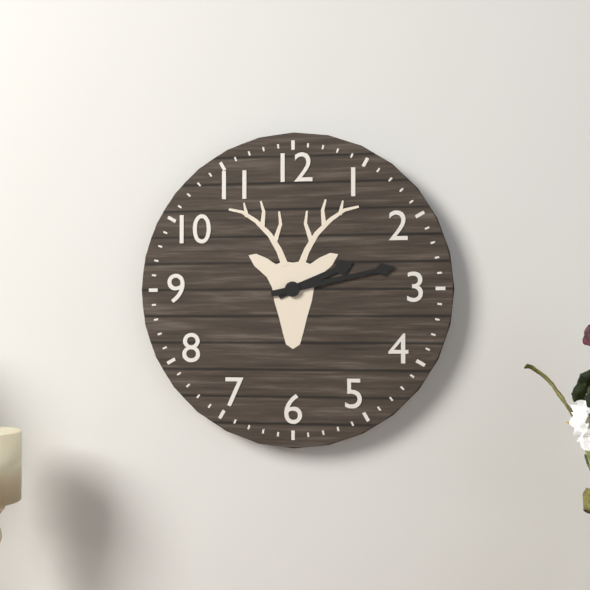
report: 2,13
